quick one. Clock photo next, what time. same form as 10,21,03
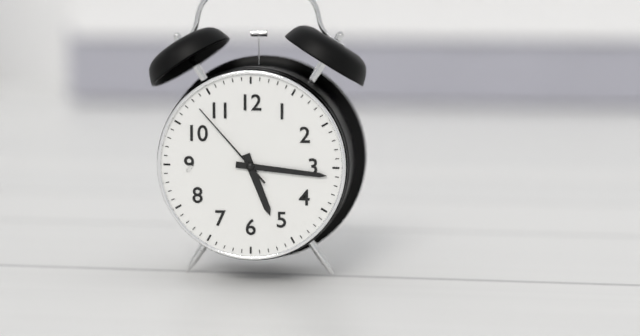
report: 5,16,53
